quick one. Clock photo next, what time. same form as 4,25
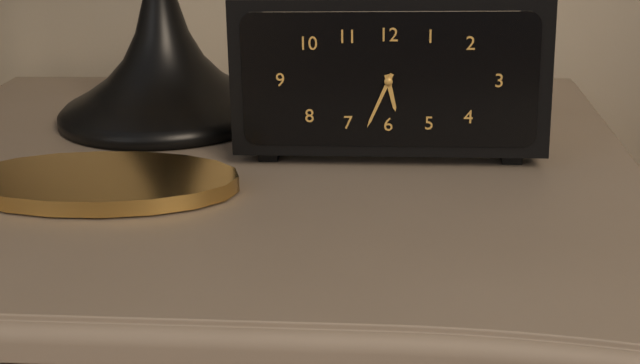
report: 5,34
